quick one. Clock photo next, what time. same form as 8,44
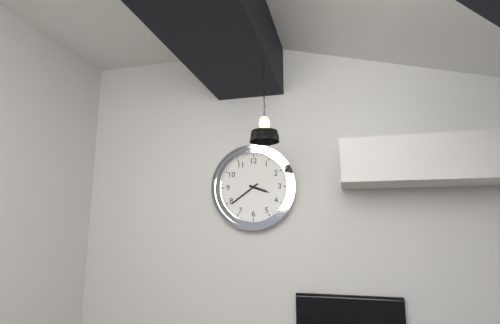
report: 3,39
